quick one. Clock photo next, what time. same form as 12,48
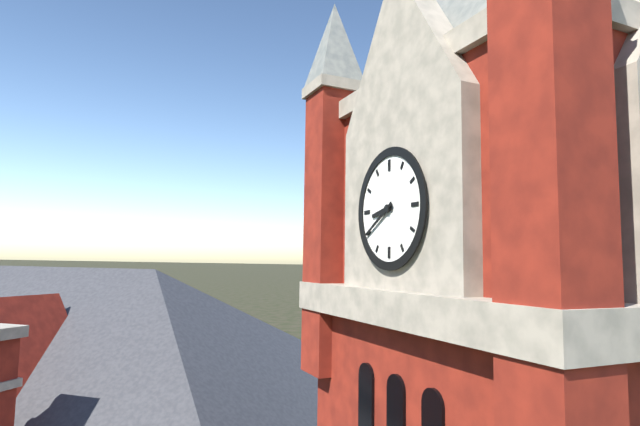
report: 8,40
